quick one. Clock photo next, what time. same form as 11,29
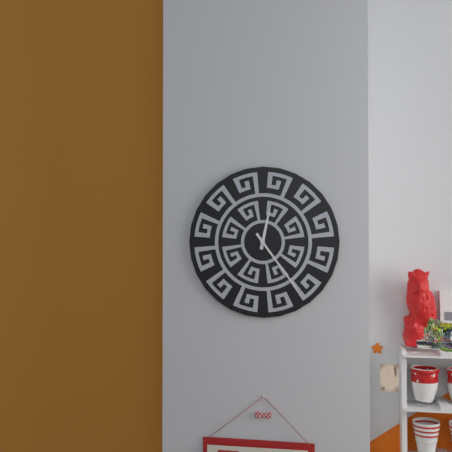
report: 12,24
